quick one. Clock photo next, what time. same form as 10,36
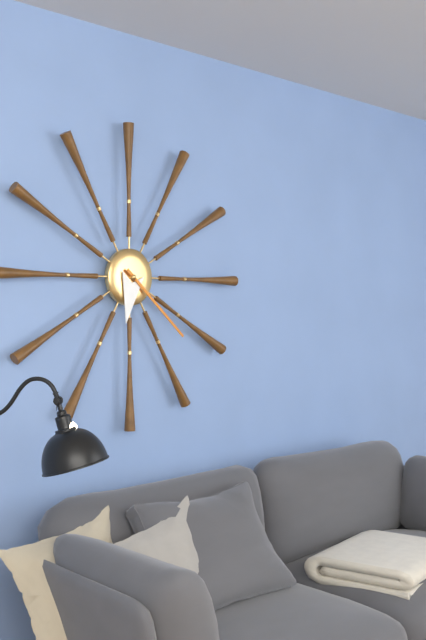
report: 6,22
